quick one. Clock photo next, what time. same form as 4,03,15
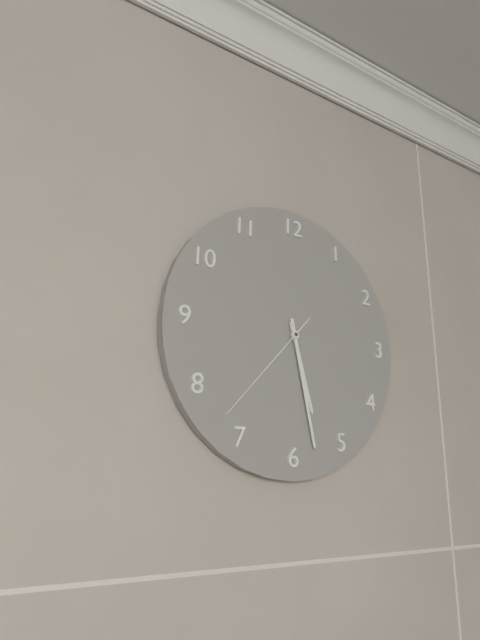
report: 5,28,37
